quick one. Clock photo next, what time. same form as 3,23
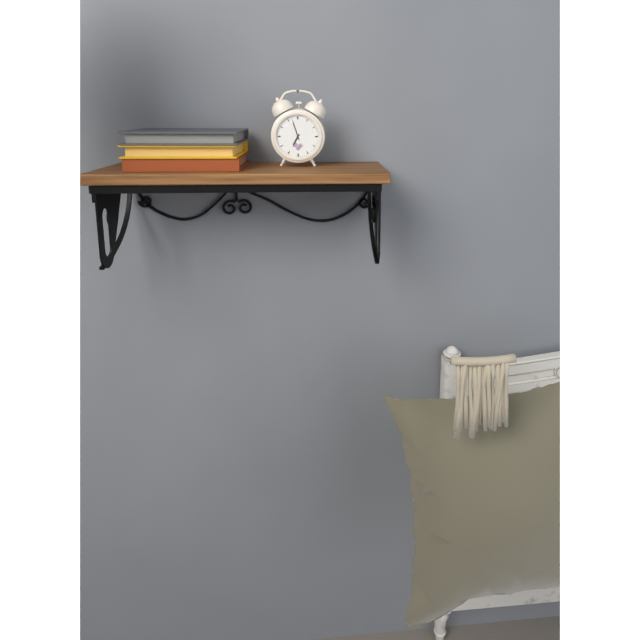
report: 6,57
